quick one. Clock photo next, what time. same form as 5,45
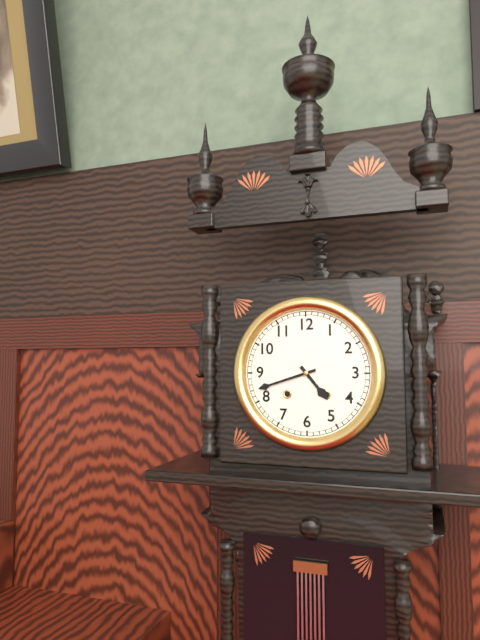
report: 4,42
